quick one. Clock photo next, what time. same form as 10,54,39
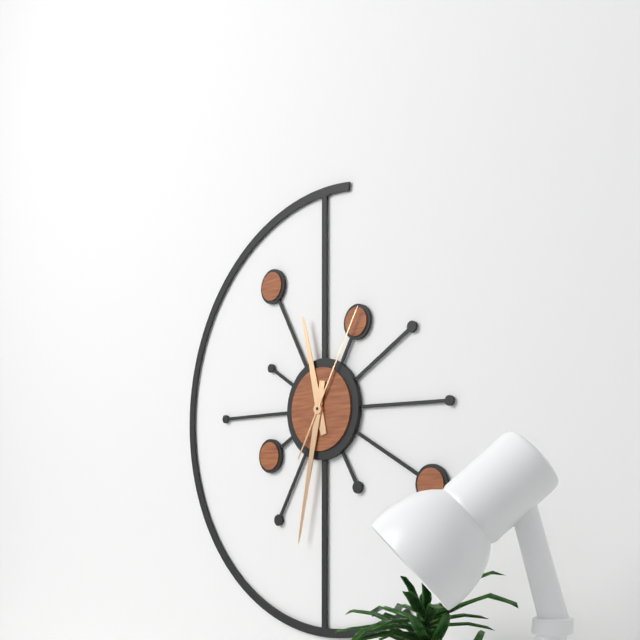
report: 11,32,05
